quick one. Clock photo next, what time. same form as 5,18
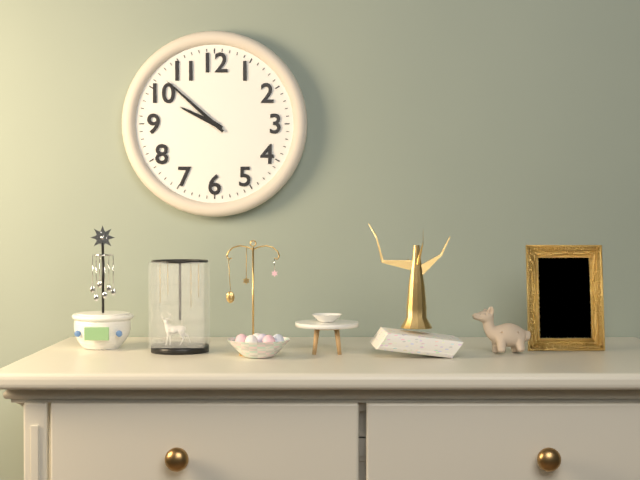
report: 9,52
